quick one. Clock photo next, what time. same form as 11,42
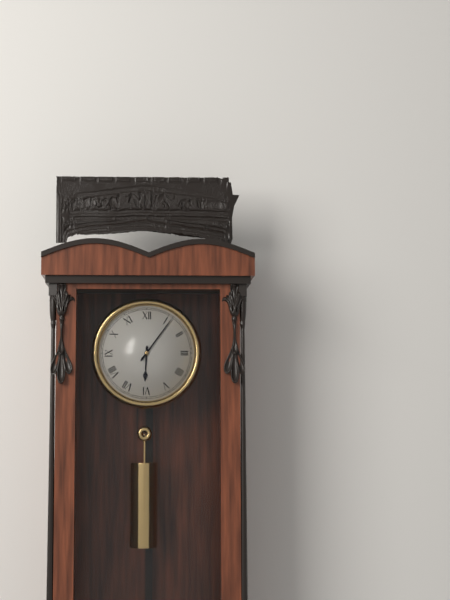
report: 6,06
